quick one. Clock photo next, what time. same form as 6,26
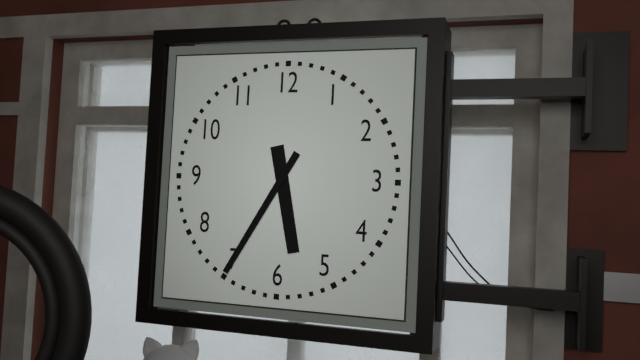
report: 5,35
